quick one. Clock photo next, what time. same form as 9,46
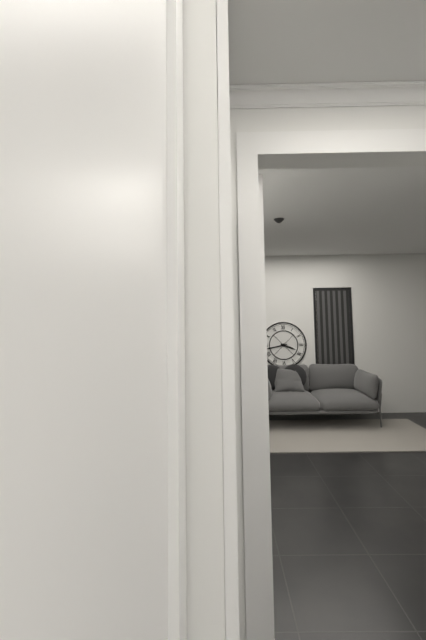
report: 3,43
